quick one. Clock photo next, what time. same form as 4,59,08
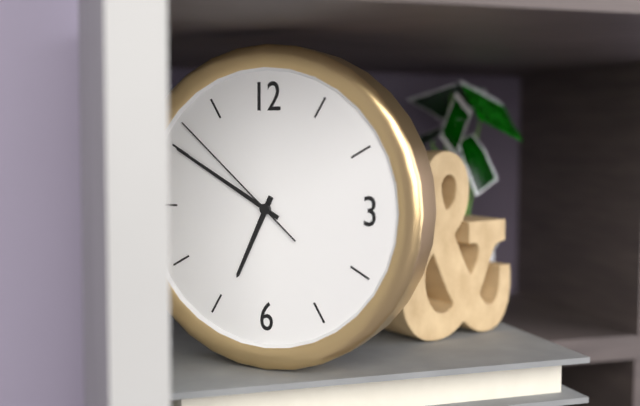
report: 6,50,52
